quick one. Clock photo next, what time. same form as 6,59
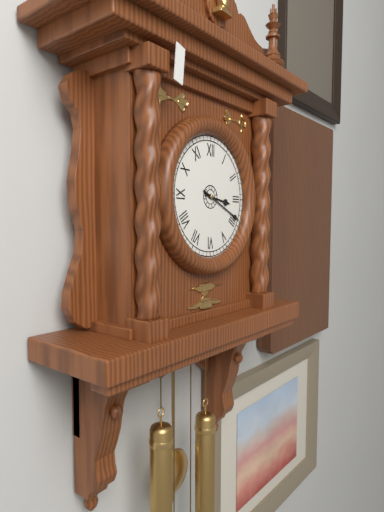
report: 3,19
